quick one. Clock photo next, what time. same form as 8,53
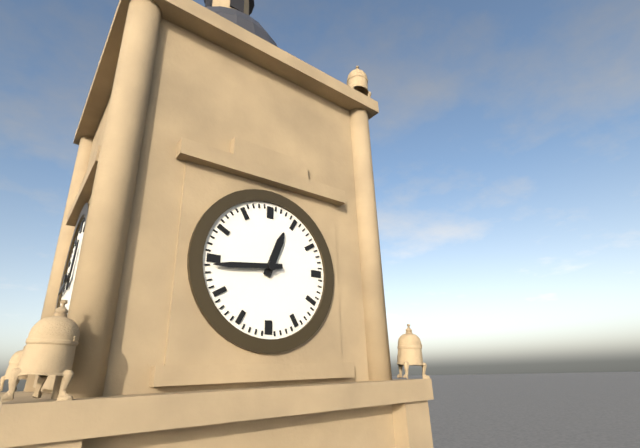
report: 12,44
